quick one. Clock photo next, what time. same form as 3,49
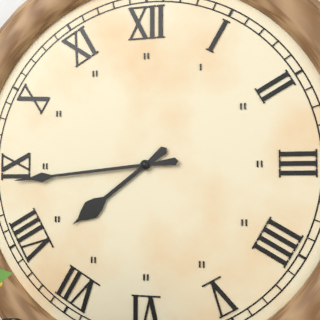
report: 7,44
